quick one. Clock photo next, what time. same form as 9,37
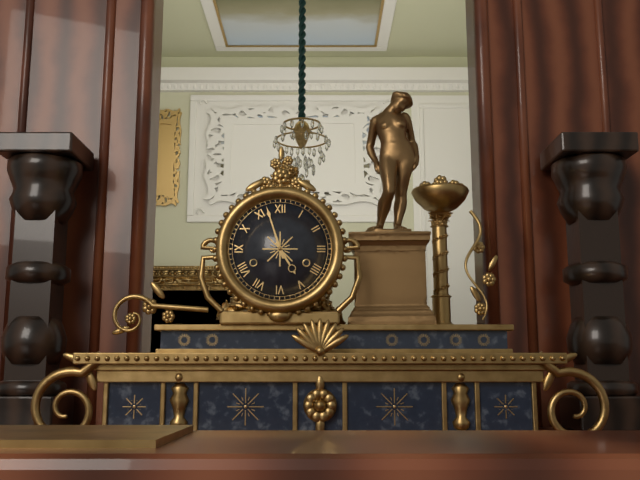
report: 4,57
